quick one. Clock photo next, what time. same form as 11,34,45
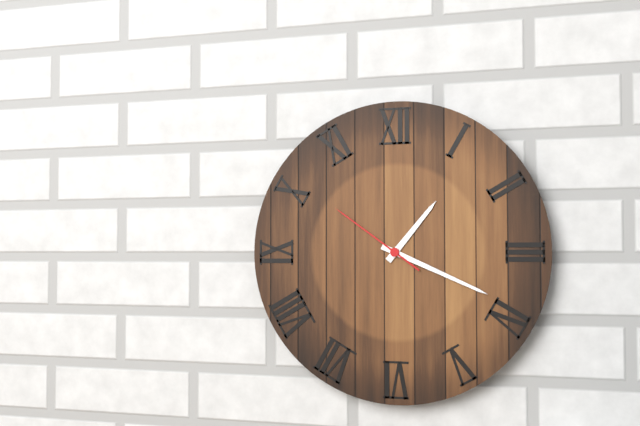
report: 1,19,51
